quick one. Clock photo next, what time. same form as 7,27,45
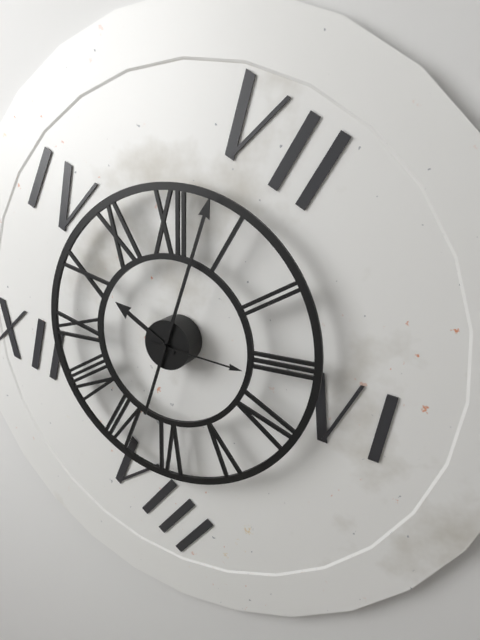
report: 10,03,16
